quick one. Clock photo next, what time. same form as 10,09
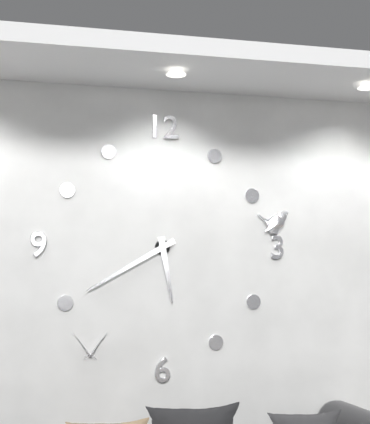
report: 5,40
